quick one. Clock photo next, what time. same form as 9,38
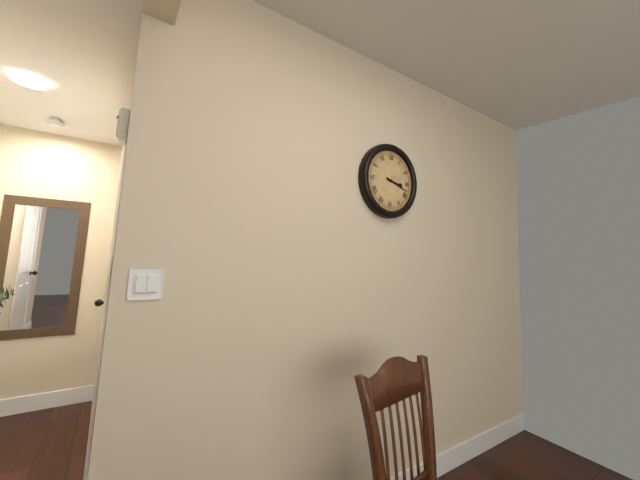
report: 3,18
